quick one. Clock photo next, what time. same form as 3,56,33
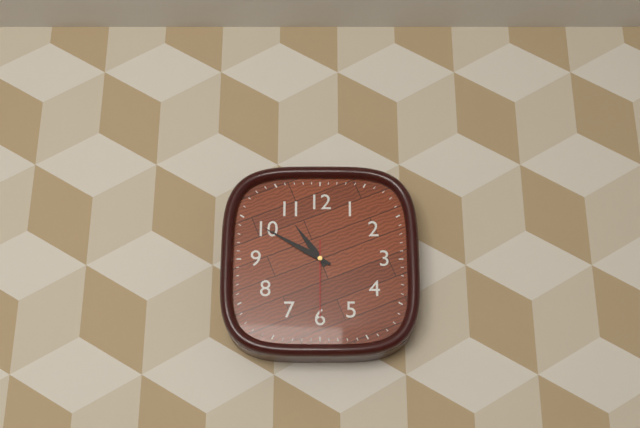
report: 10,50,30
